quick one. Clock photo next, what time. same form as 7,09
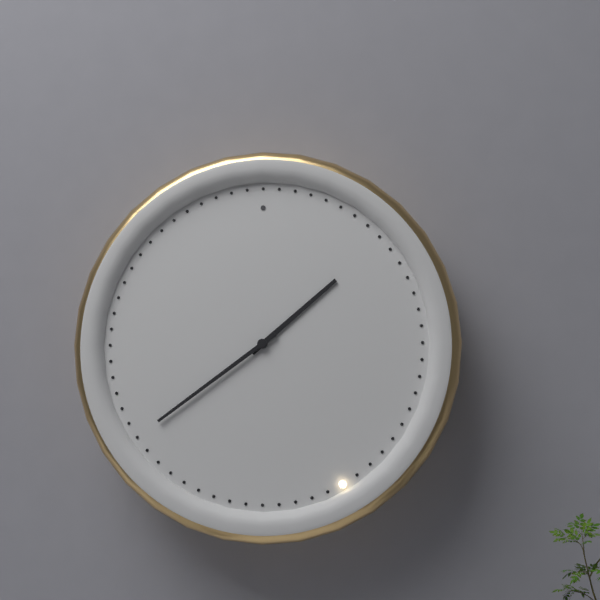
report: 1,39
